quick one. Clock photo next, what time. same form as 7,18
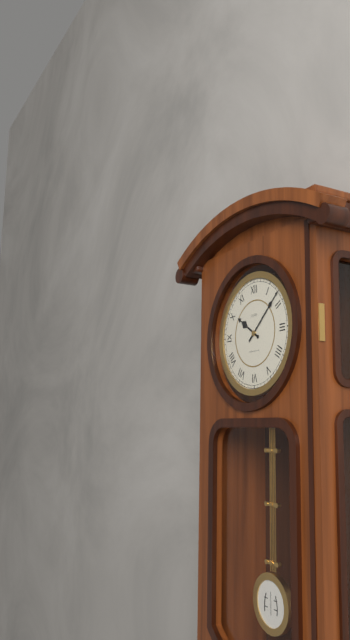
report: 10,08
